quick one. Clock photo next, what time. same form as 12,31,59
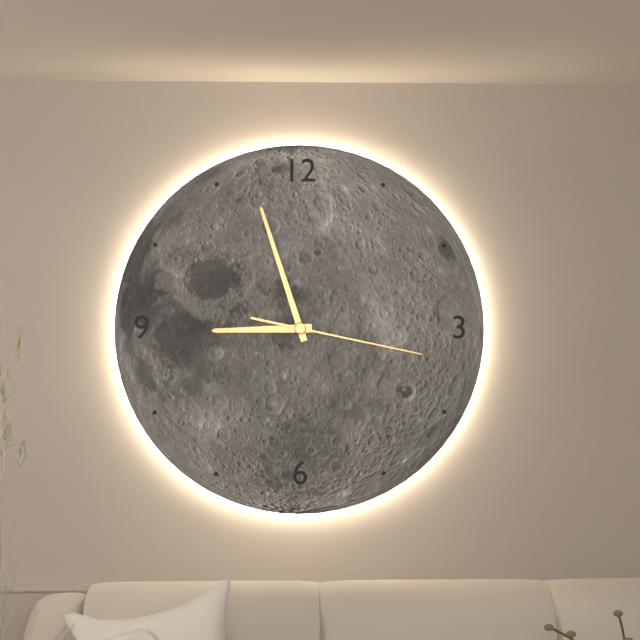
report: 8,57,17
